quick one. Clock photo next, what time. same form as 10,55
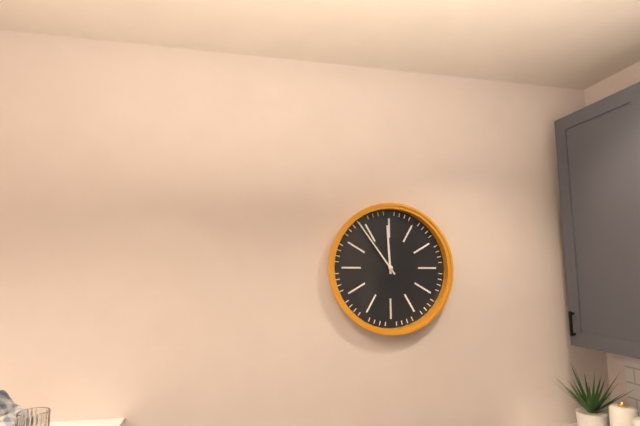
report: 11,54
